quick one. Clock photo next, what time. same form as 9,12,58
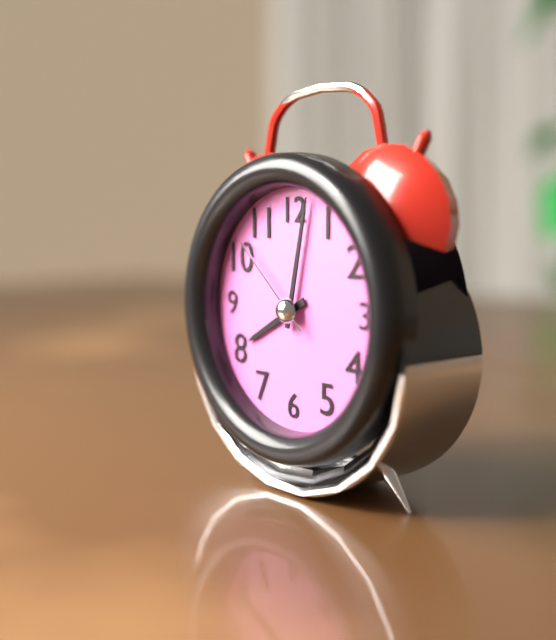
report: 8,02,52
